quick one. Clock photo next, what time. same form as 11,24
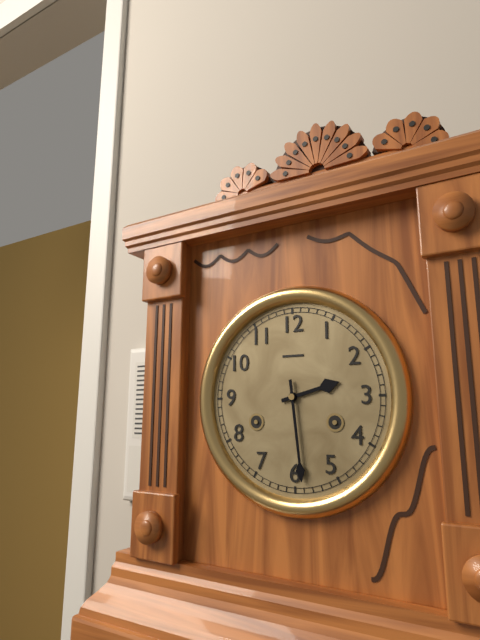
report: 2,29
